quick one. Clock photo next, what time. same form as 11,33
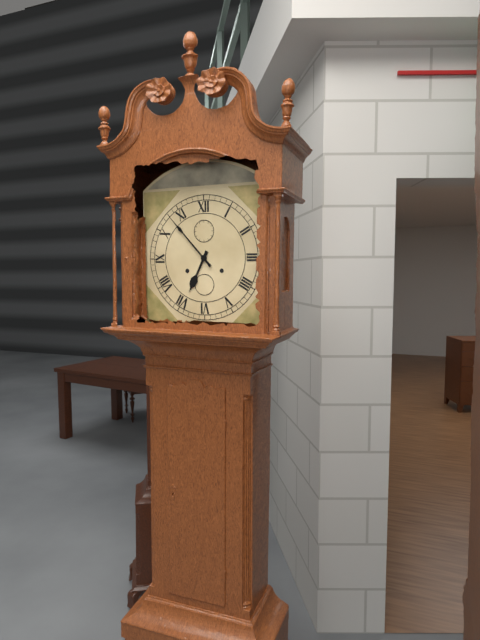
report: 6,53
